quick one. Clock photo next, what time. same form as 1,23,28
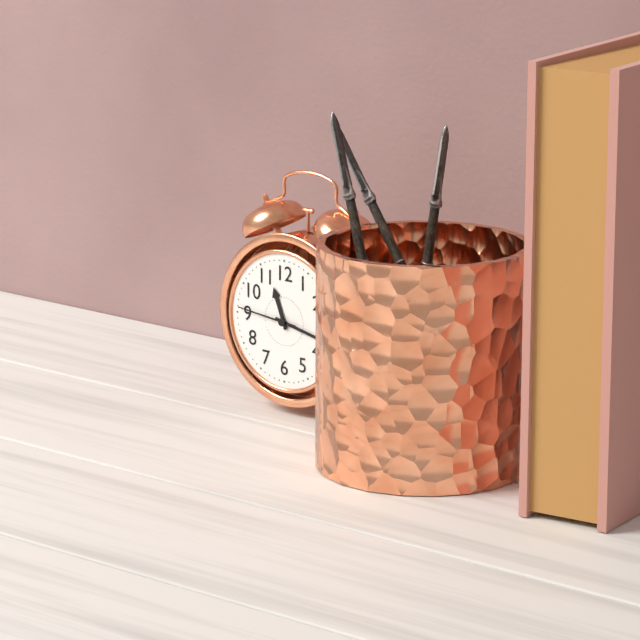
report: 11,17,46
